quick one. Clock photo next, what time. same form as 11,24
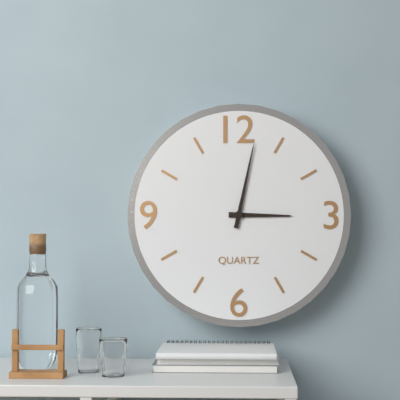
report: 3,02
